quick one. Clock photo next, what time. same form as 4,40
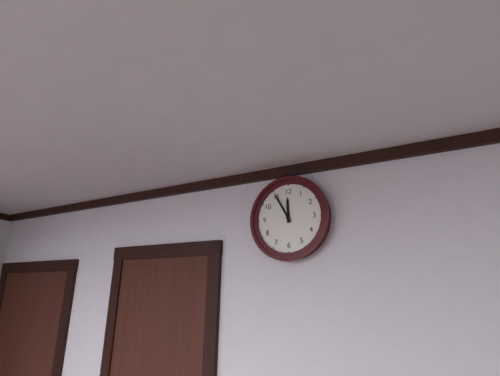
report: 11,55
